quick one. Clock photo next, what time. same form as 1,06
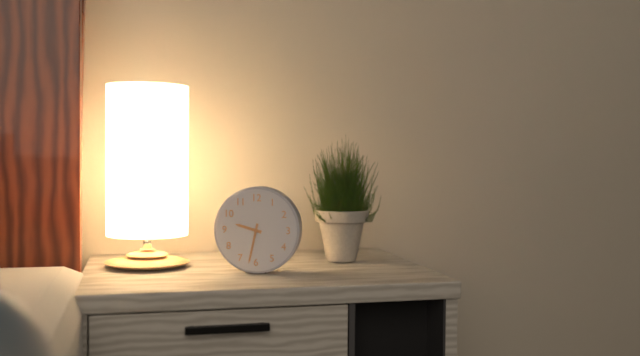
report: 9,32
